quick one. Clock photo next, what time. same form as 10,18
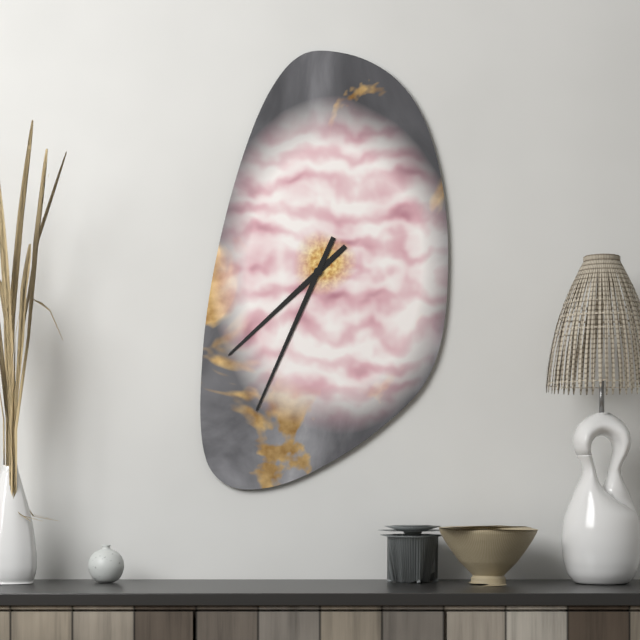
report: 7,34
